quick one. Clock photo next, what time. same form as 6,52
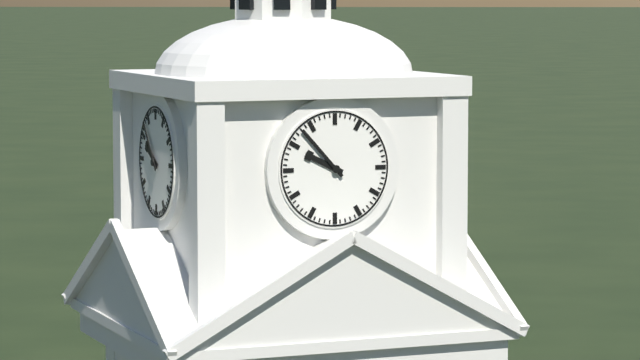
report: 9,53
